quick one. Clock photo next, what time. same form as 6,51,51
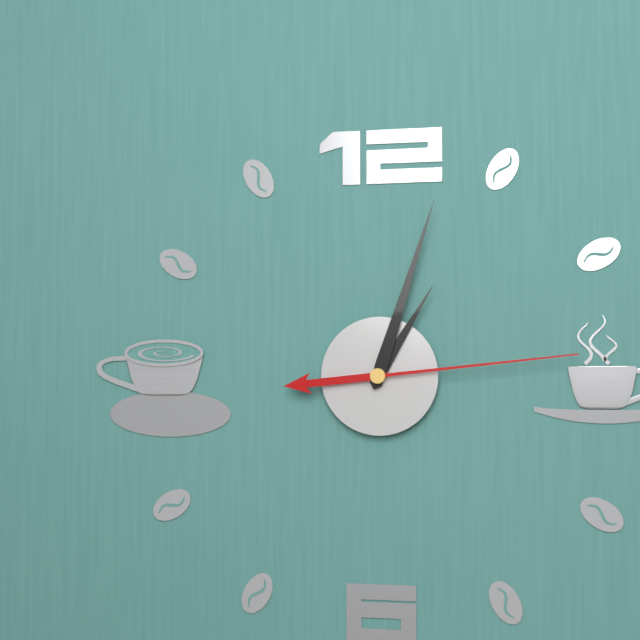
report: 1,03,14
